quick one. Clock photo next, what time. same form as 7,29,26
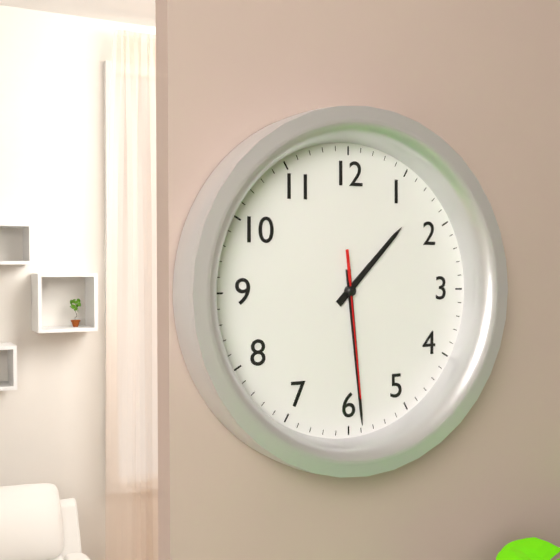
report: 1,29,29
